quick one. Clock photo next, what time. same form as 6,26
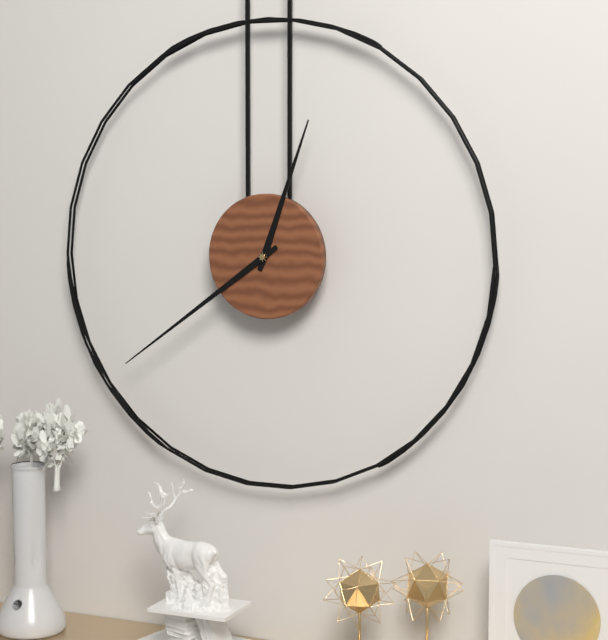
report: 12,39
